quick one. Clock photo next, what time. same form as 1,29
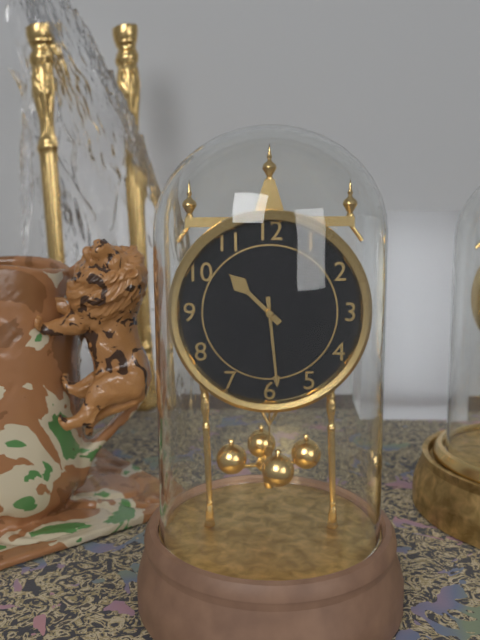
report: 10,29
